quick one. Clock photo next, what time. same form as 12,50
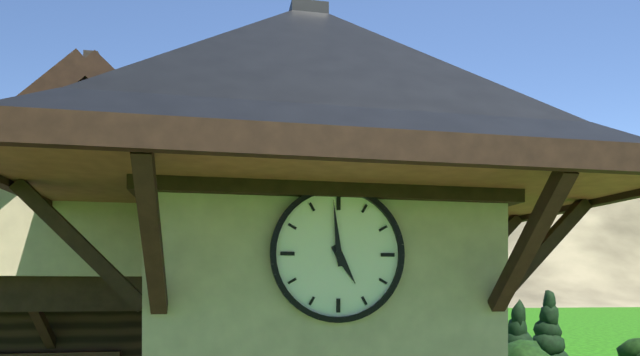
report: 4,59
